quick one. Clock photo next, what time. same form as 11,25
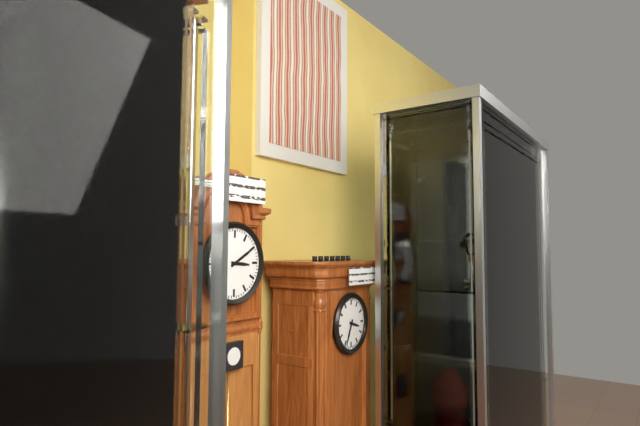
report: 3,10
